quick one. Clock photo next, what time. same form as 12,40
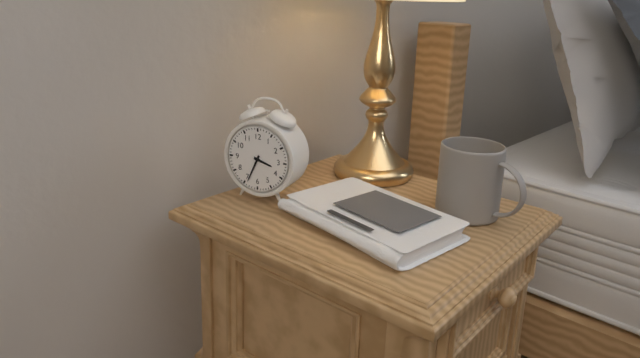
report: 3,34
